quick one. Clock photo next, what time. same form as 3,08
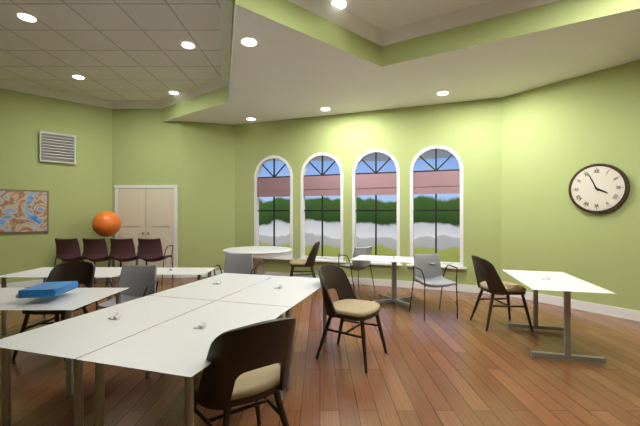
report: 3,56
